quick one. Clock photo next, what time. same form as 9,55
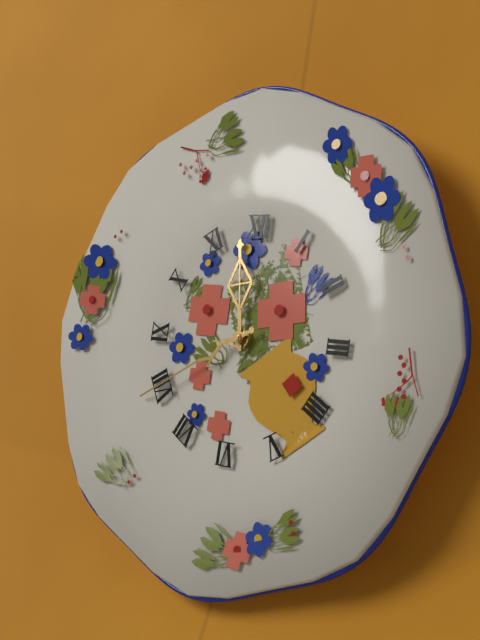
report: 11,40
